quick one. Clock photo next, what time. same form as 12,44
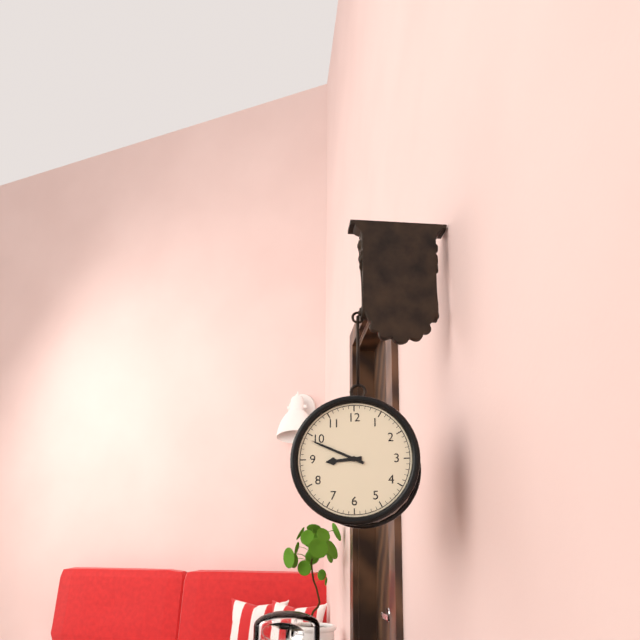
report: 8,49
